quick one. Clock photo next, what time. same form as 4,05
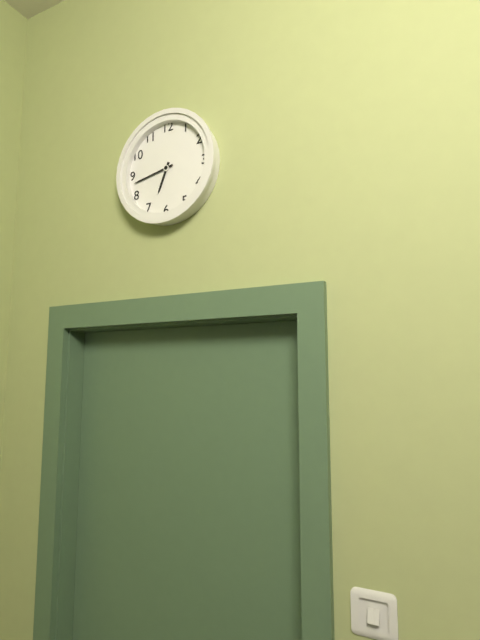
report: 6,43
